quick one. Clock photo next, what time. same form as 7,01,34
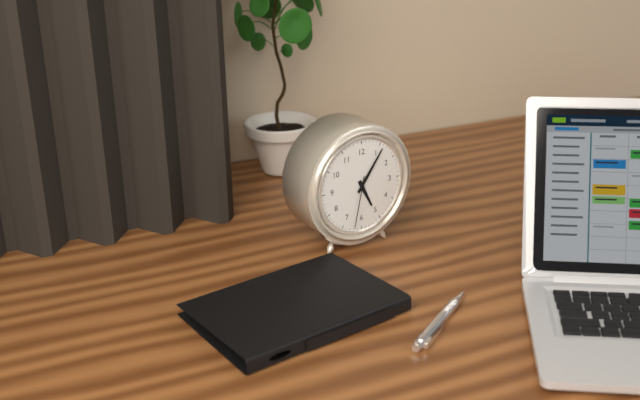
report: 5,06,32
